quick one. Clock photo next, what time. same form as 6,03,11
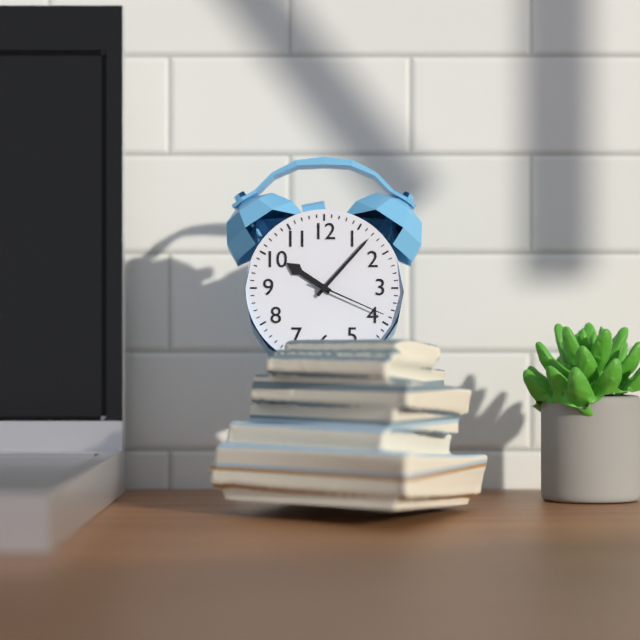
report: 10,07,19
